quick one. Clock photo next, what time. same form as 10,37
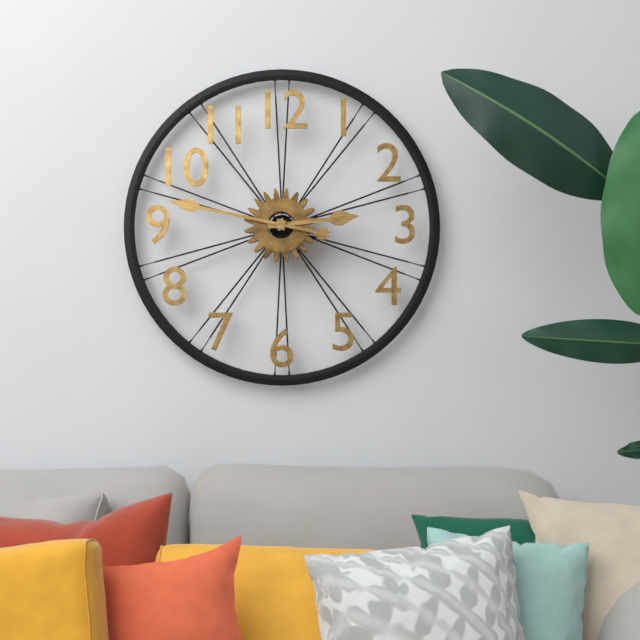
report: 2,47
